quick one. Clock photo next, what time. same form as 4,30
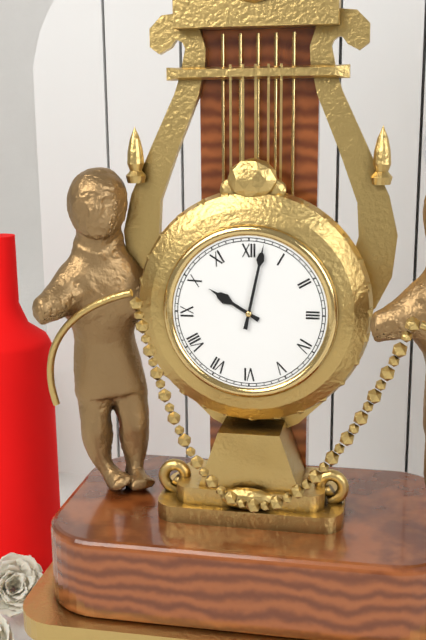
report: 10,02
